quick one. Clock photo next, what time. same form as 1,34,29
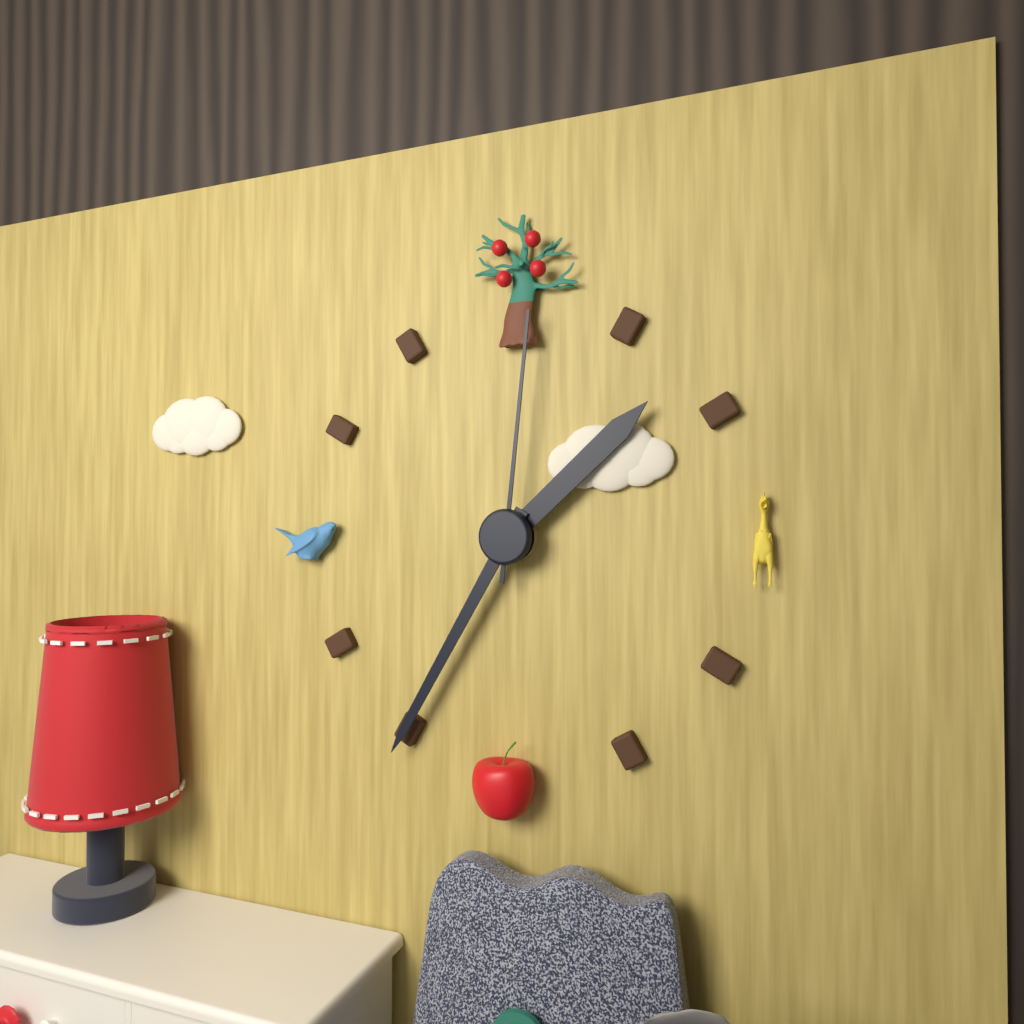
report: 1,35,01
